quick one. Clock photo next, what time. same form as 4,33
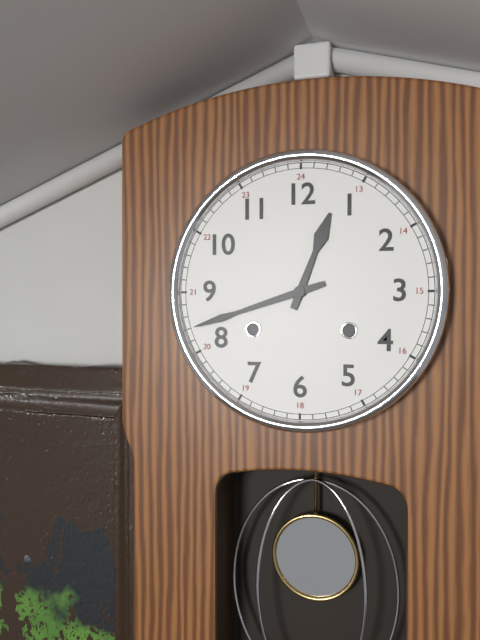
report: 12,42
